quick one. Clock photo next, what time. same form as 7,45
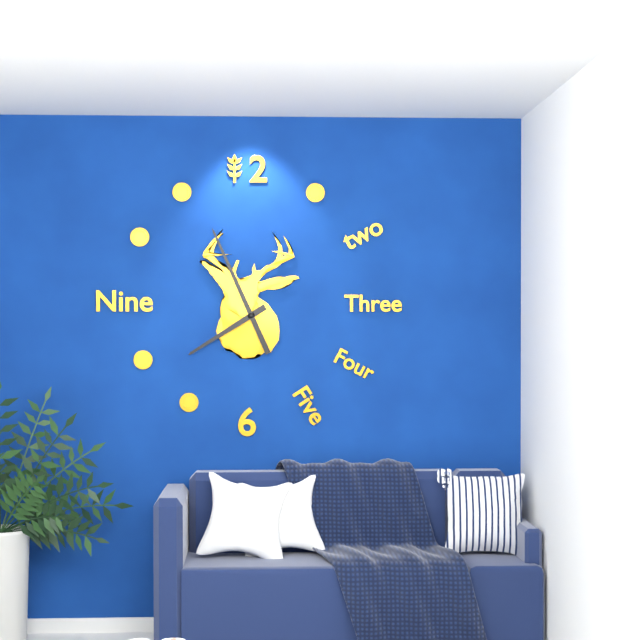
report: 7,56
